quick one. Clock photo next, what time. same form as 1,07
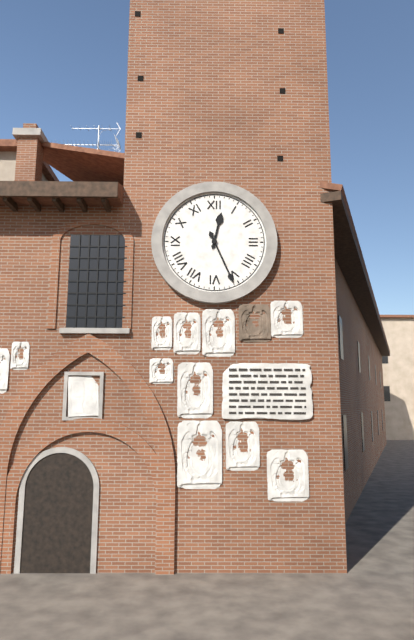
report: 12,26
